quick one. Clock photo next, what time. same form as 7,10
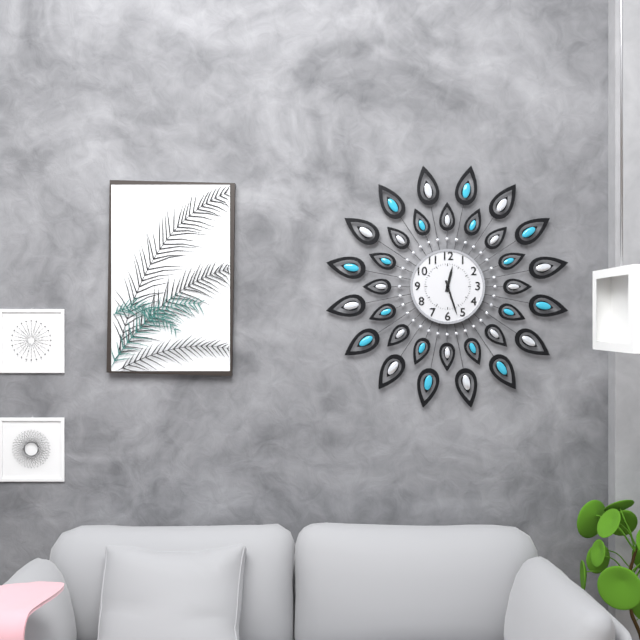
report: 12,27
